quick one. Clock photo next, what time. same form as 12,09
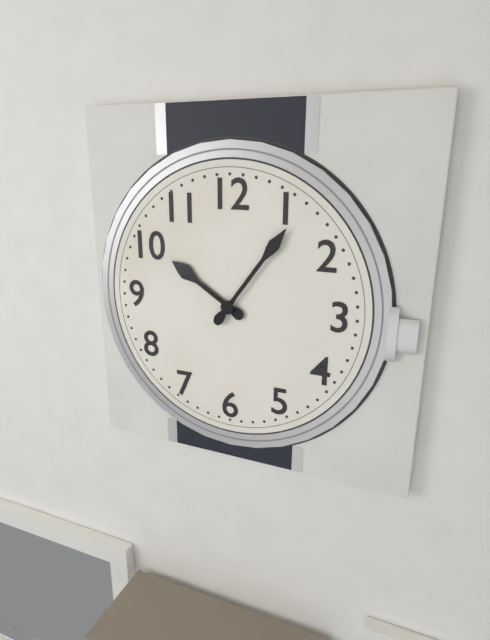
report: 10,06
